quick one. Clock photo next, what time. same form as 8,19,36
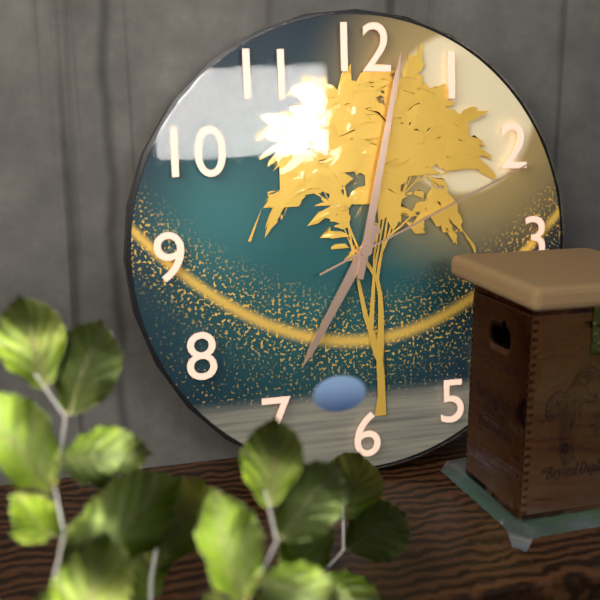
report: 7,02,11
